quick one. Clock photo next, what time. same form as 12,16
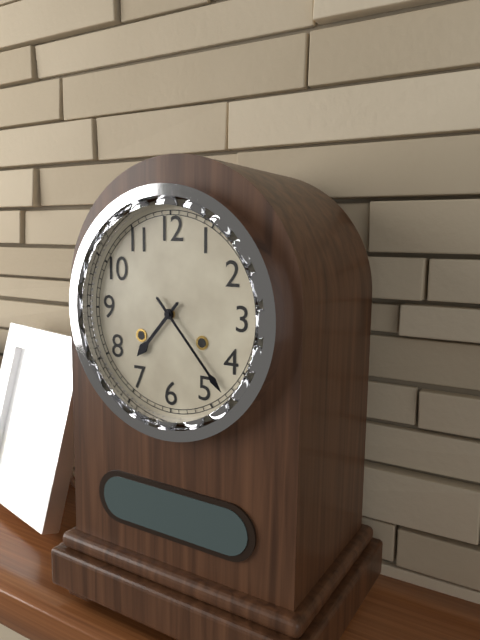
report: 7,23
